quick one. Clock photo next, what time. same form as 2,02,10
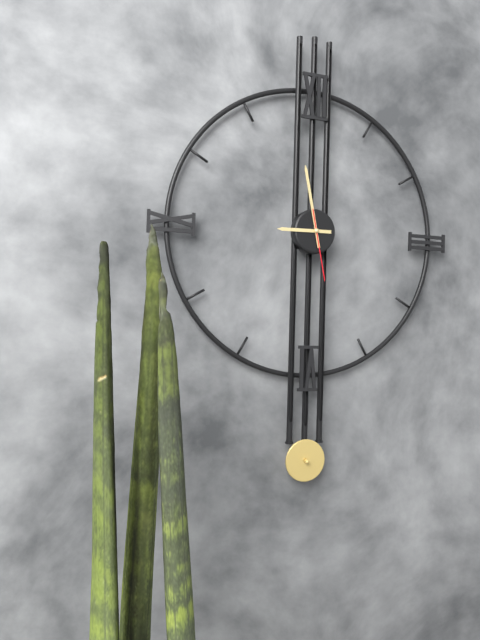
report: 8,58,28
